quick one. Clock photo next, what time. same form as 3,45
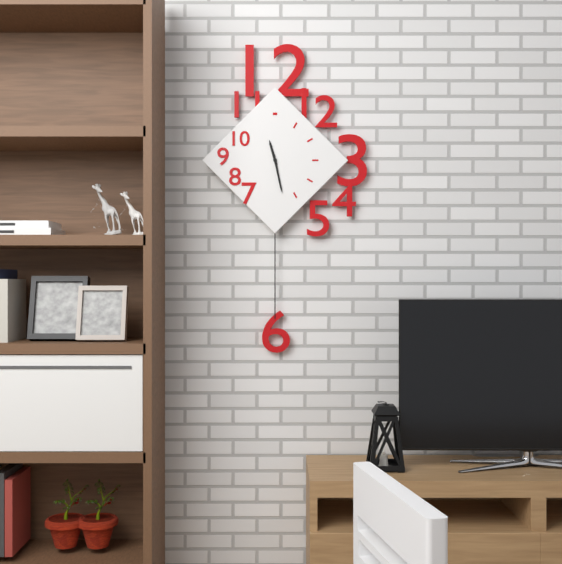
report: 11,28
